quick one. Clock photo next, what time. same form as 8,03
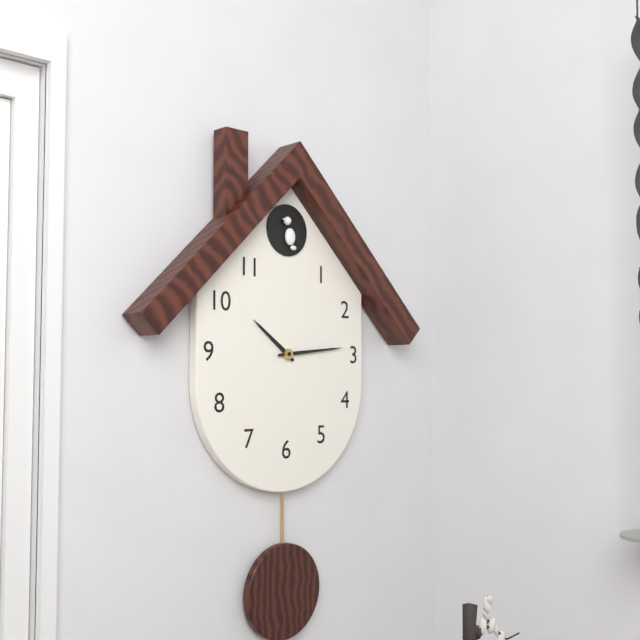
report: 10,14
